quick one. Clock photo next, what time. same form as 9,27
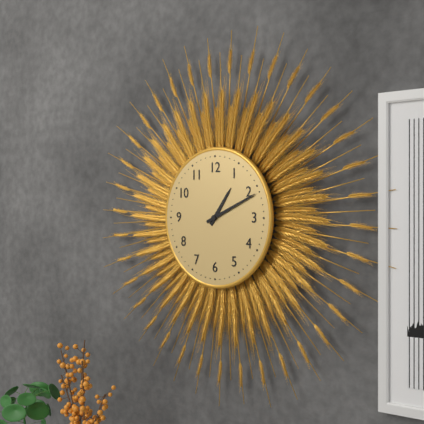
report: 1,11
